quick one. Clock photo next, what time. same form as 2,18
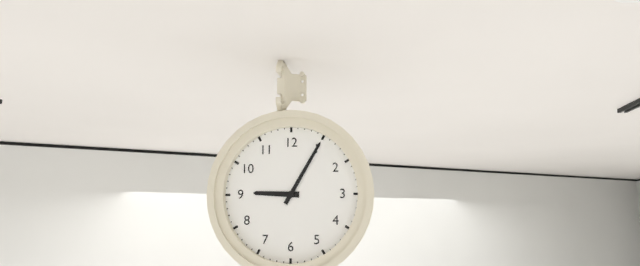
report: 9,05
